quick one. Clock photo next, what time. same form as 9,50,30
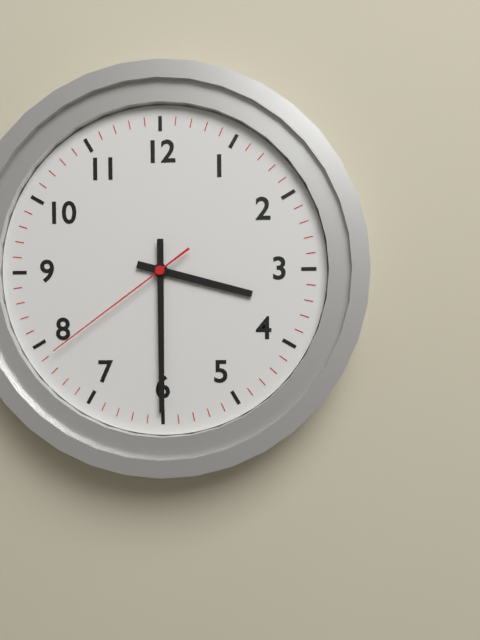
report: 3,30,39
